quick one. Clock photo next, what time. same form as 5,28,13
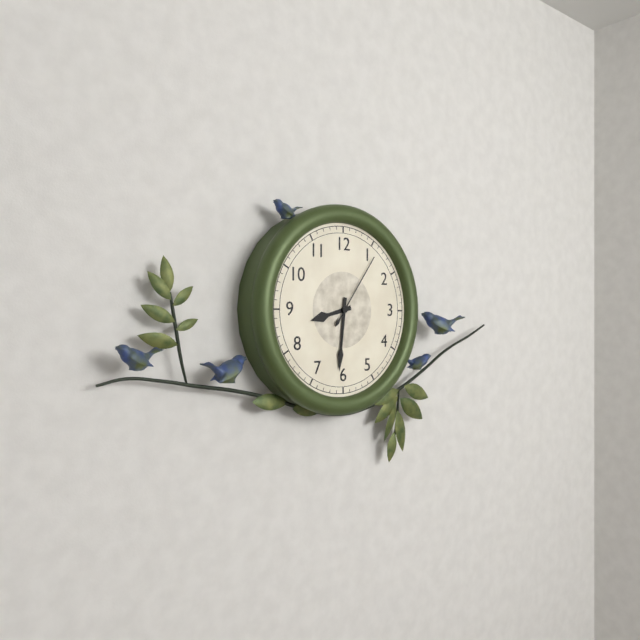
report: 8,31,06
